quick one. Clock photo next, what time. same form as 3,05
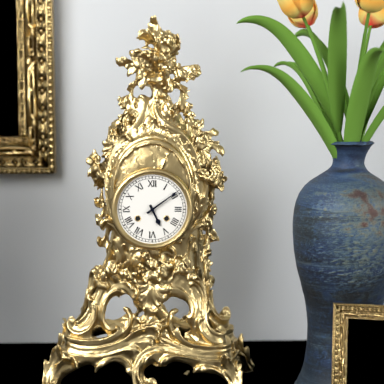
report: 5,09
